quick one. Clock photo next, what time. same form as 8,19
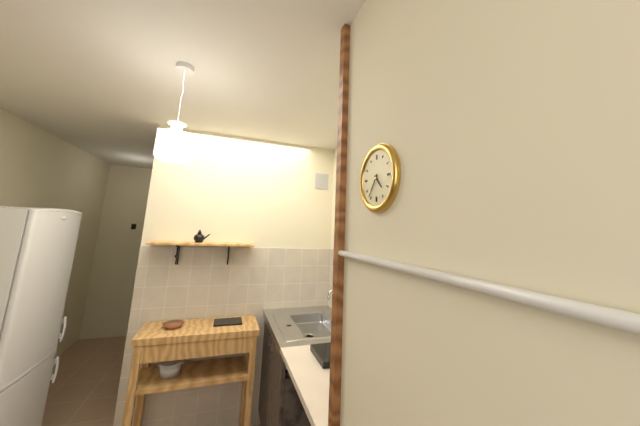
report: 4,36
